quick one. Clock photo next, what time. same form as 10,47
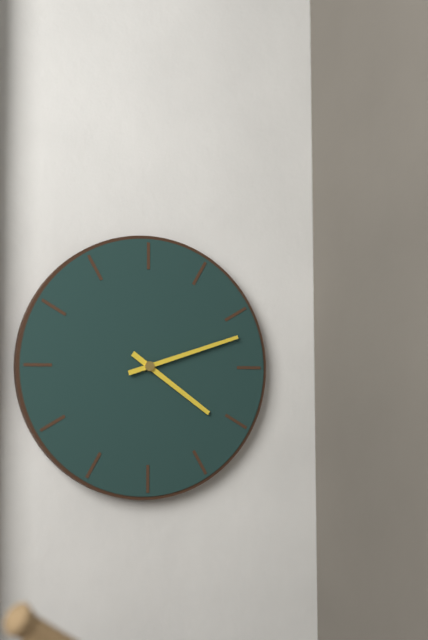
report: 4,12
